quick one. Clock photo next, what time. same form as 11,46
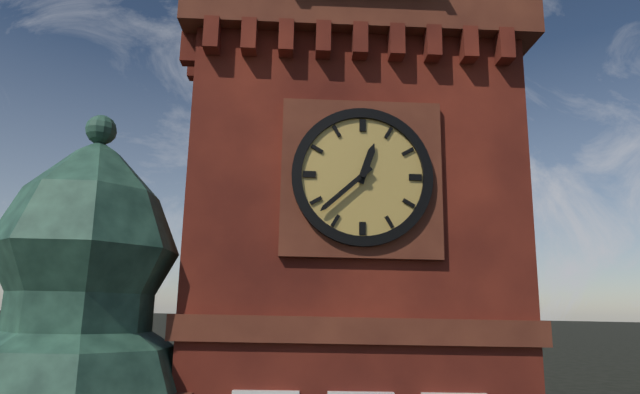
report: 12,38
